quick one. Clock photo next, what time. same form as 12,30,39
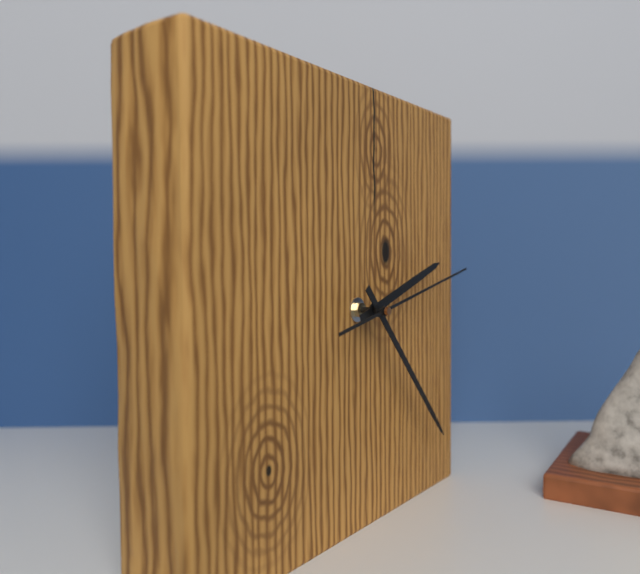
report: 2,23,13
